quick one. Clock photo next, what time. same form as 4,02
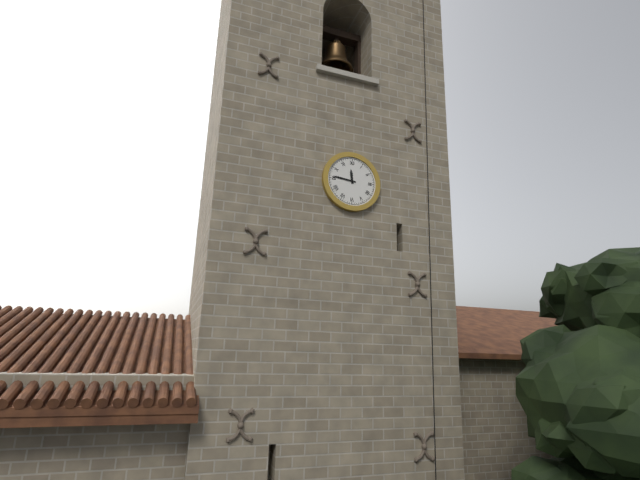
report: 11,46
